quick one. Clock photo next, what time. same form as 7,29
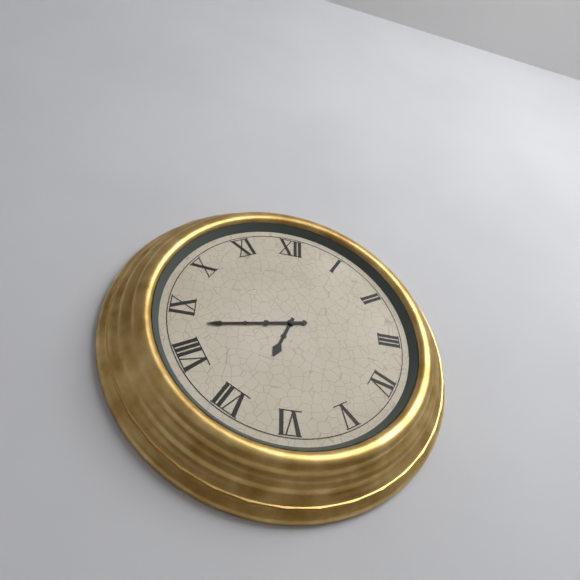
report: 6,43
